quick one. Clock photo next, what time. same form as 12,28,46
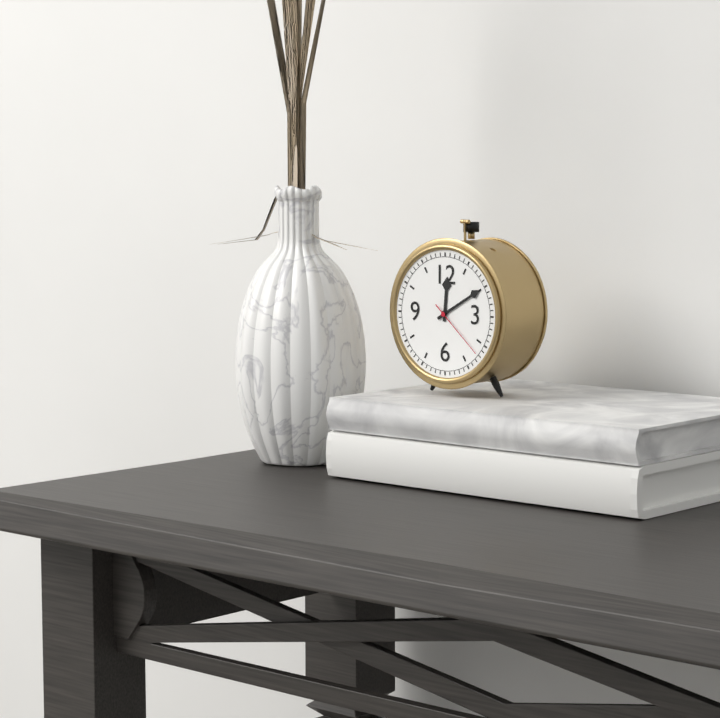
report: 12,10,22
